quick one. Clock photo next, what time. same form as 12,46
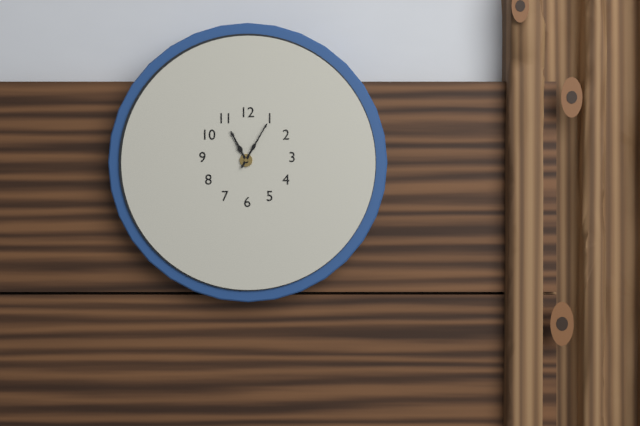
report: 11,05
